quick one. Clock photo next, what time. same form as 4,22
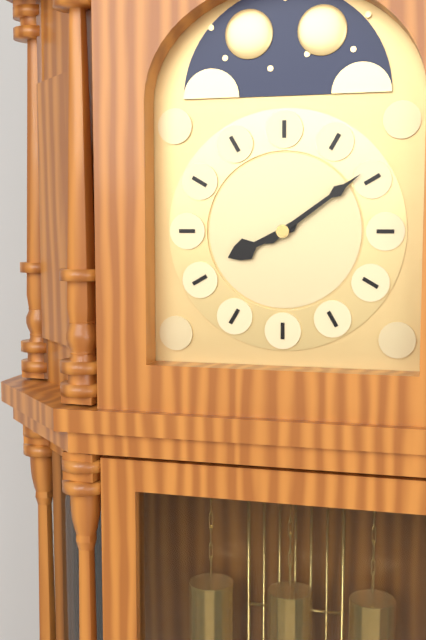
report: 8,09
